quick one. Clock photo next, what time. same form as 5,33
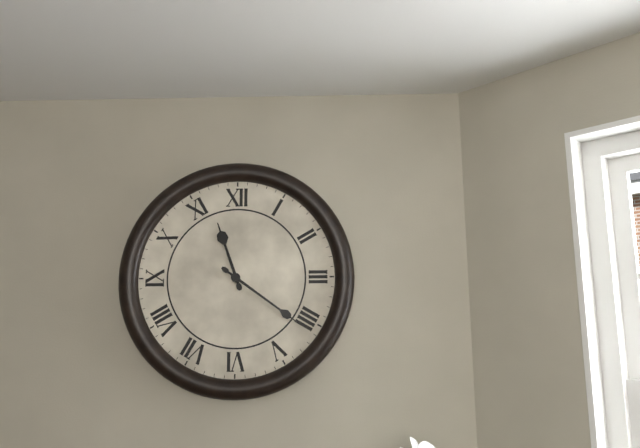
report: 11,21
